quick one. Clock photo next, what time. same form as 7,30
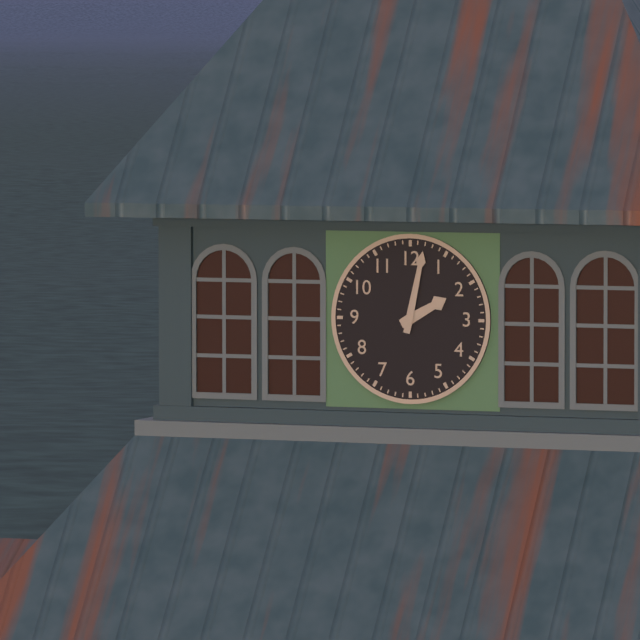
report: 2,02
